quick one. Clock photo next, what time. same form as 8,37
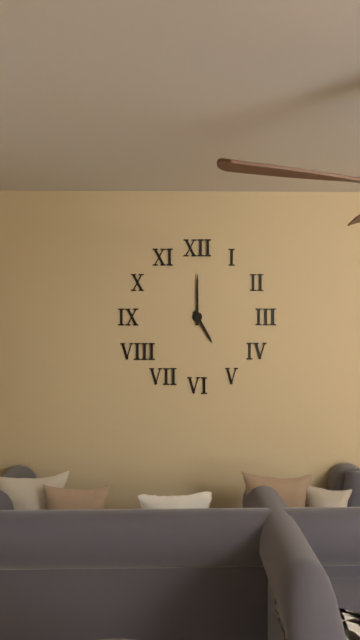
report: 5,00
